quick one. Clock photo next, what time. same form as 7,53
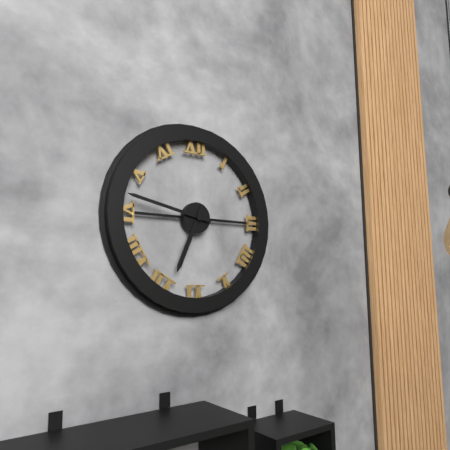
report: 6,47
